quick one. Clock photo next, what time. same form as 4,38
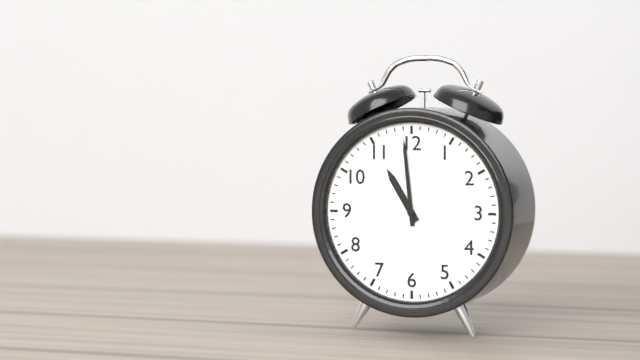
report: 10,59
